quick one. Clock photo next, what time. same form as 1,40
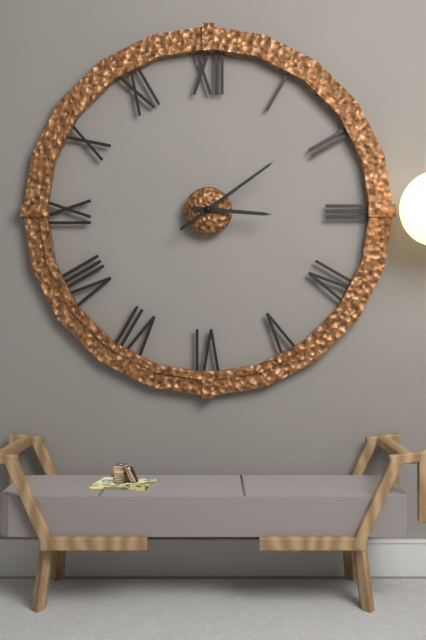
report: 3,09
